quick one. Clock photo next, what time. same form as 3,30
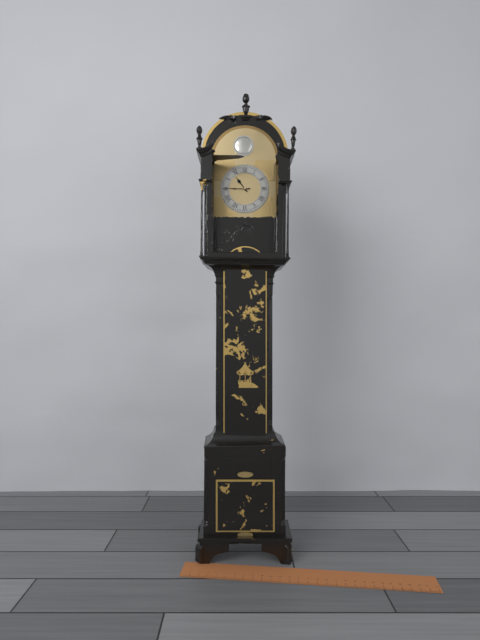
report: 10,45
